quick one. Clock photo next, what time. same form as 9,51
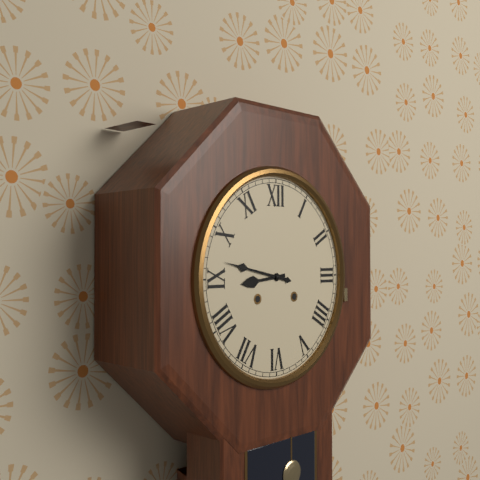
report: 8,47
